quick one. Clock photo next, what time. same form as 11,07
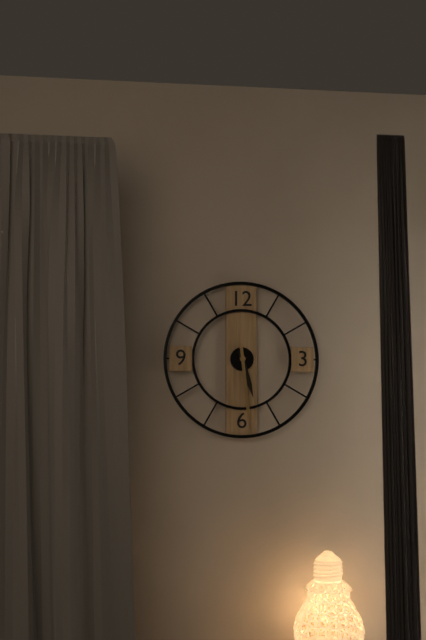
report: 5,29
